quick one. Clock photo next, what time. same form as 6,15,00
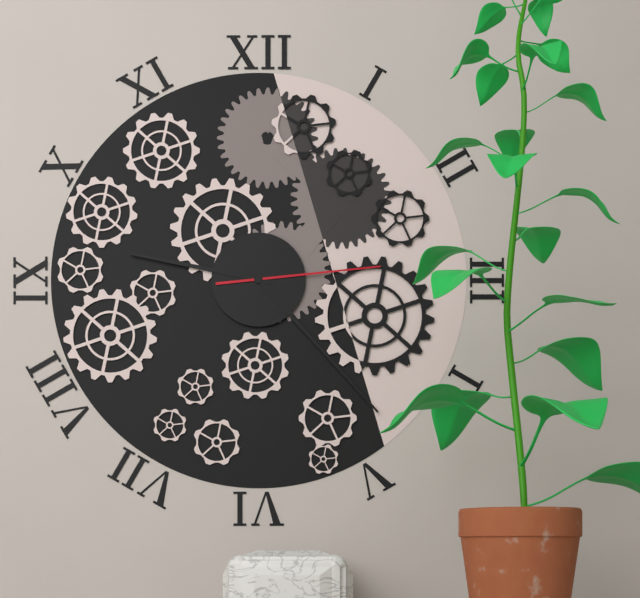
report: 9,23,14
